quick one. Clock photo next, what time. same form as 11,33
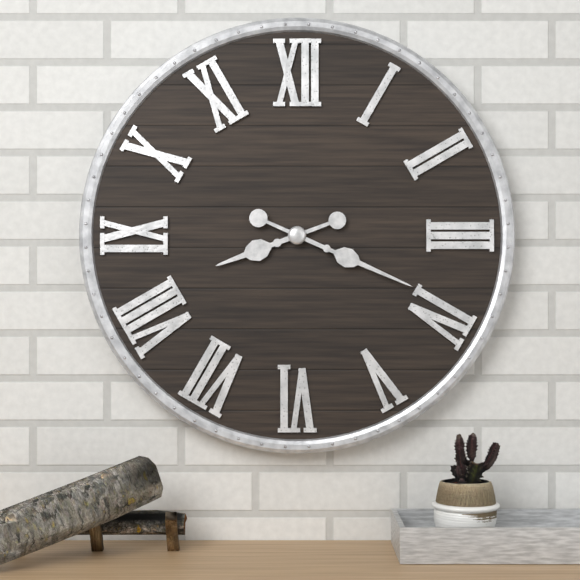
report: 8,19
